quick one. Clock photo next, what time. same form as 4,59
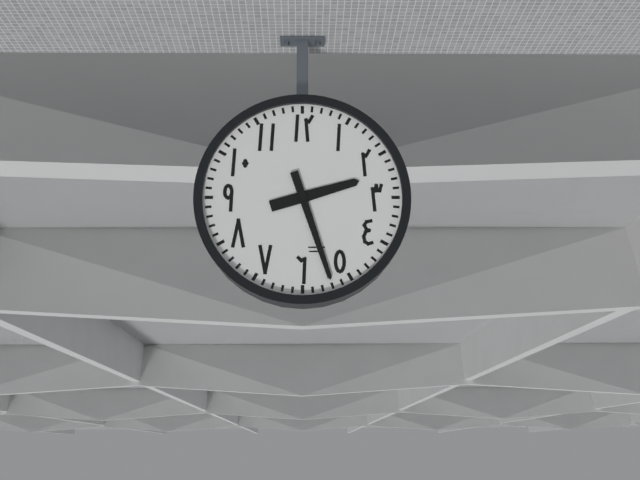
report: 2,27
